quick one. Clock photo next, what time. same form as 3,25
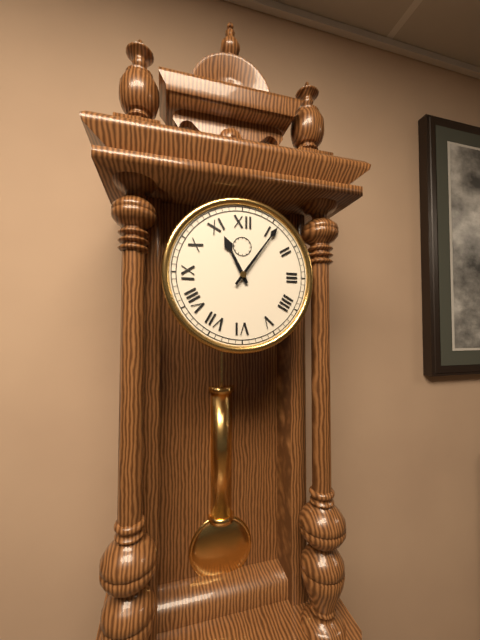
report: 11,06
